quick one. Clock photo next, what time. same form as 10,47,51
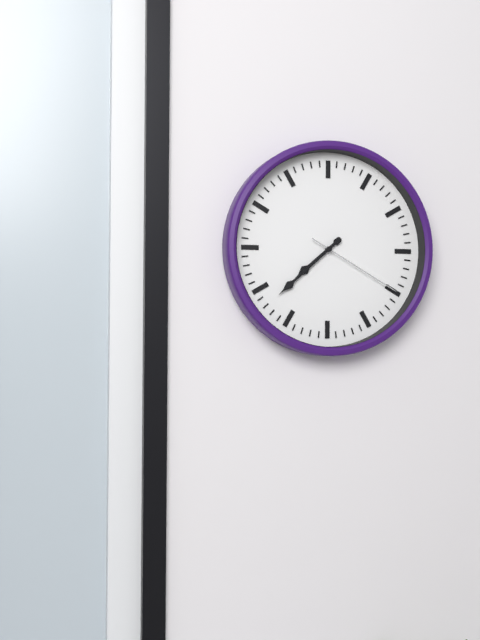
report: 7,38,20
